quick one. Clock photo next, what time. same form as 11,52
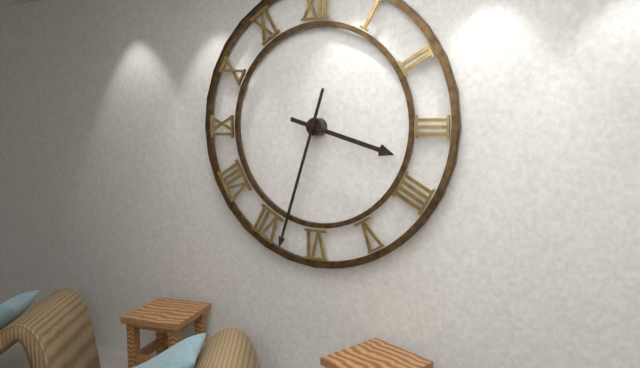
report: 3,33
